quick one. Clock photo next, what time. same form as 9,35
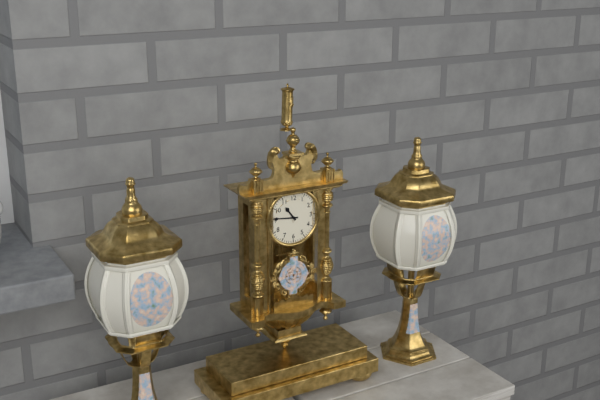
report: 10,46
